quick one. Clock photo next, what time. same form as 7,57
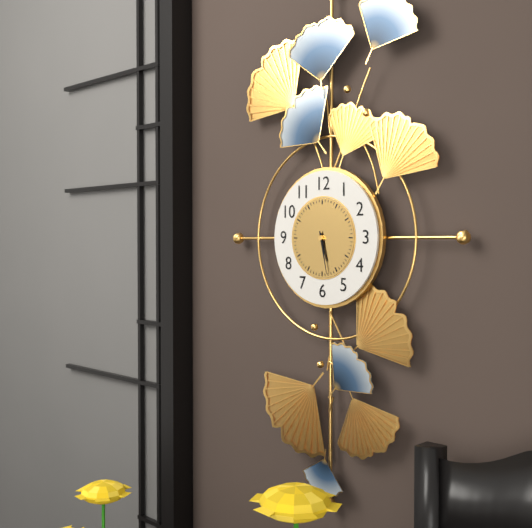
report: 5,28
